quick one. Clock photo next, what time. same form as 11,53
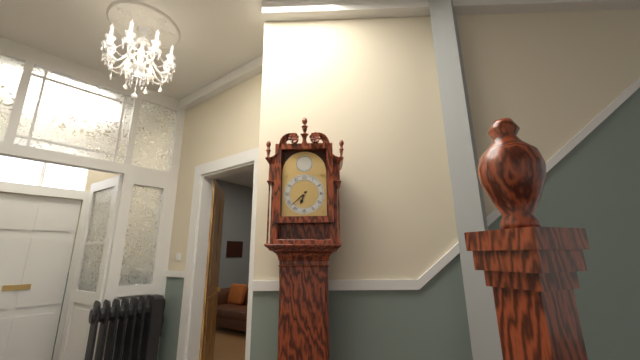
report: 6,38
